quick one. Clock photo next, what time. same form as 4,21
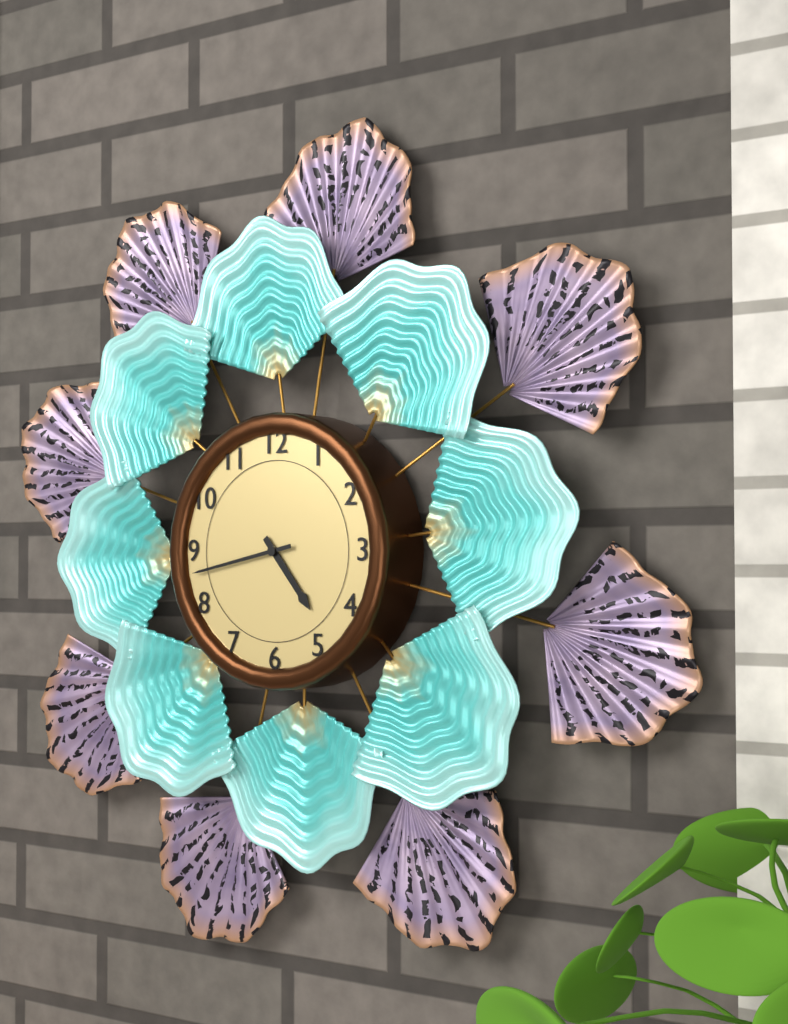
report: 4,43
